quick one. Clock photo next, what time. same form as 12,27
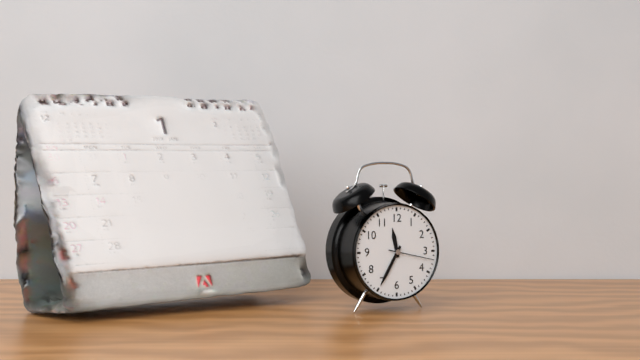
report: 11,35
